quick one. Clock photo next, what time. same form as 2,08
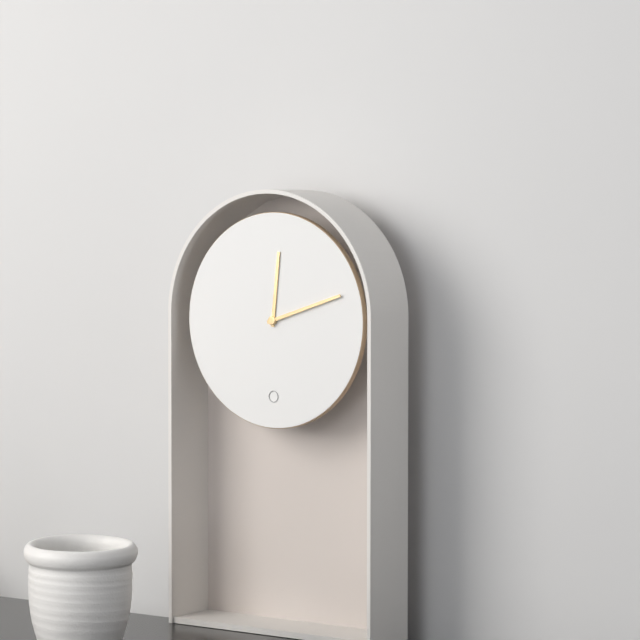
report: 12,12
